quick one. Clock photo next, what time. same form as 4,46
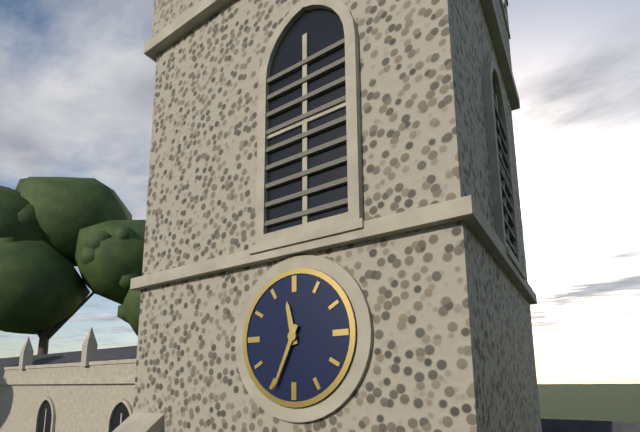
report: 11,34
